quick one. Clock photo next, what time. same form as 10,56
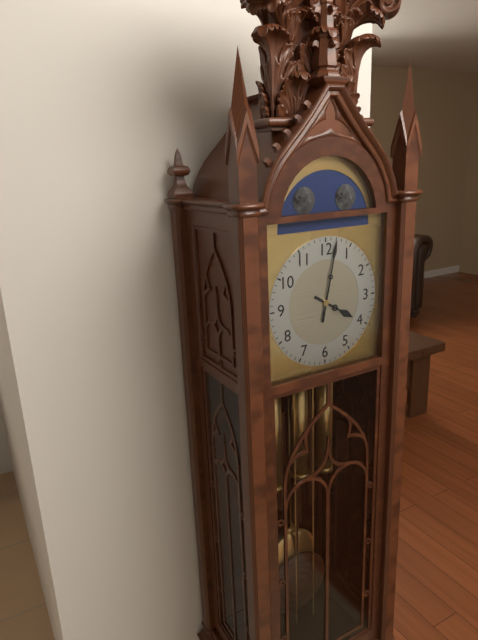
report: 4,02
